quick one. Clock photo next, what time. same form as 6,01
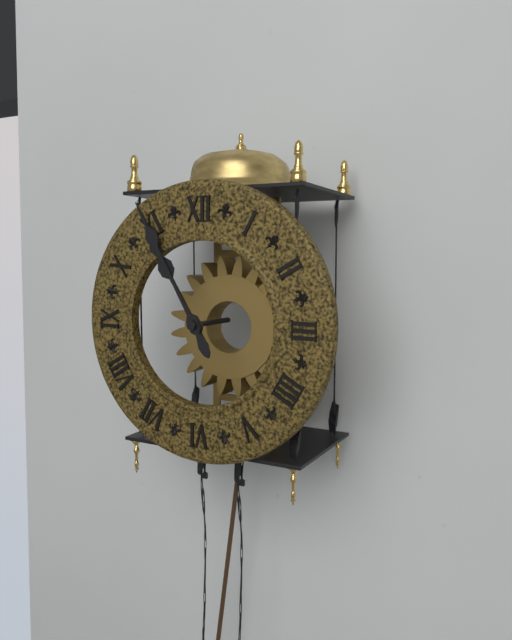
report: 10,55
